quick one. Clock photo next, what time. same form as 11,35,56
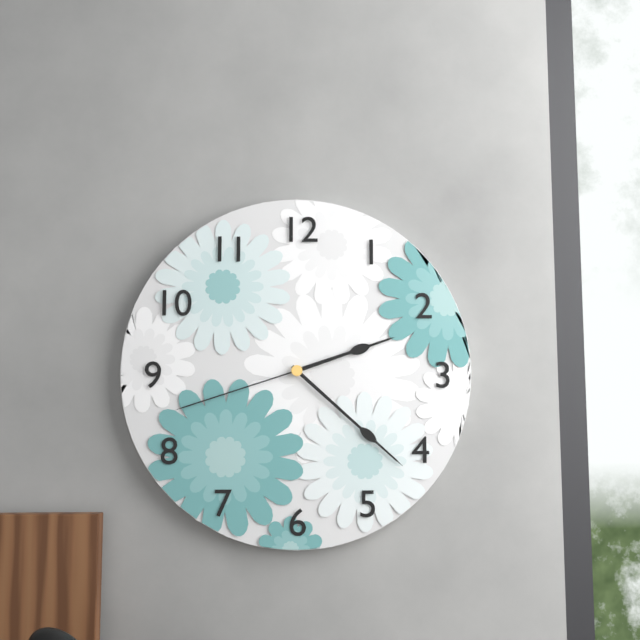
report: 2,22,42
